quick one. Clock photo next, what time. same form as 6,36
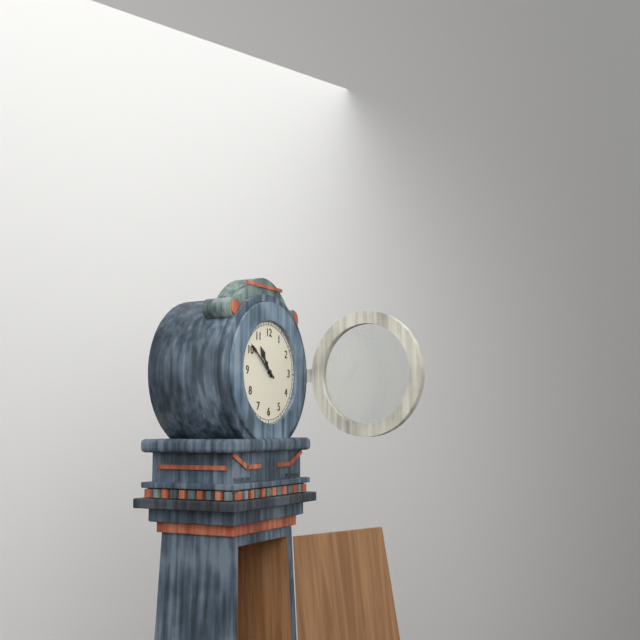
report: 10,51
